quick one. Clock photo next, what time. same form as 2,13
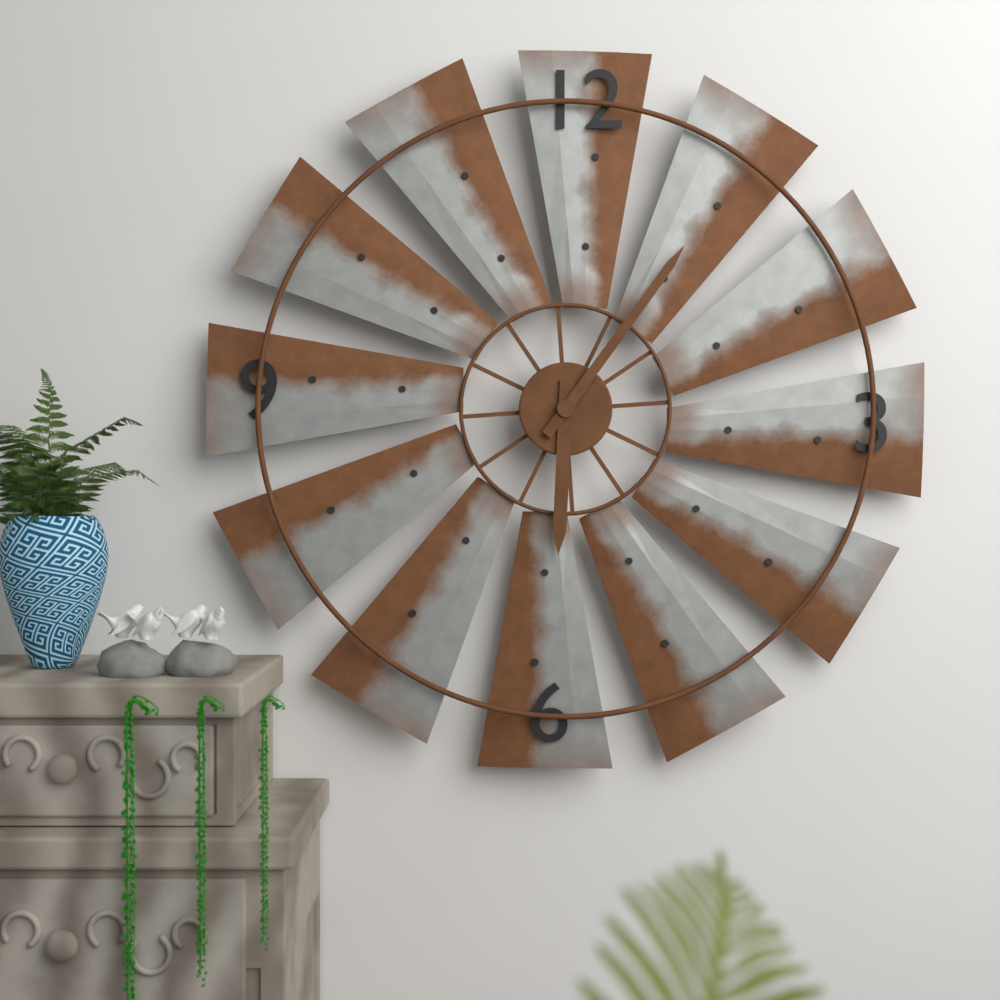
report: 6,06
